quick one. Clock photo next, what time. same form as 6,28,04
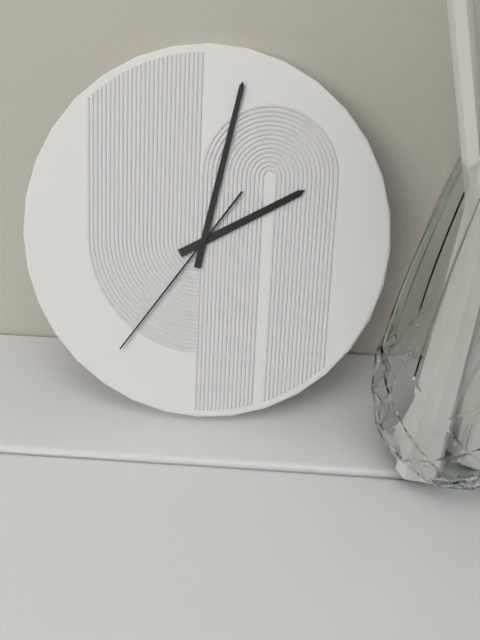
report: 2,02,36
